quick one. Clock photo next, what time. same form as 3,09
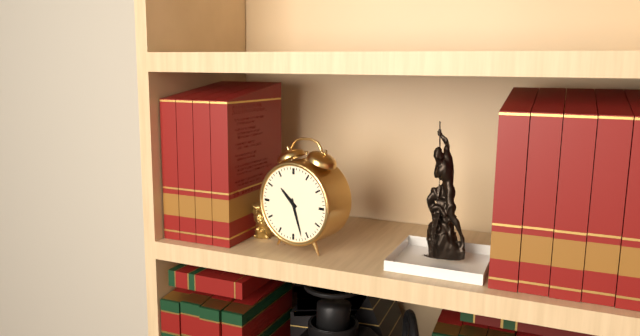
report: 10,27
